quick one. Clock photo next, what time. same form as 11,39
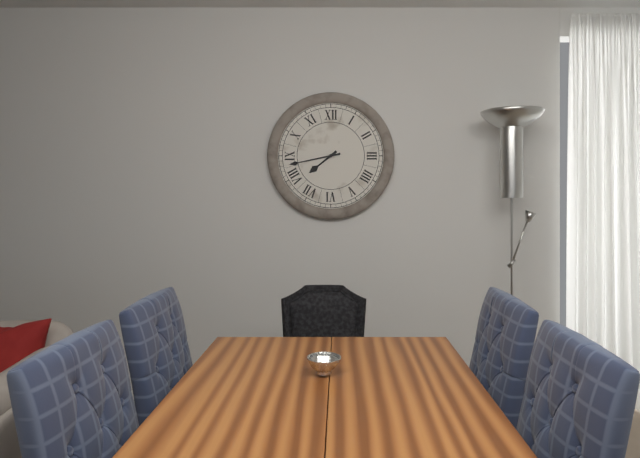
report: 7,43
